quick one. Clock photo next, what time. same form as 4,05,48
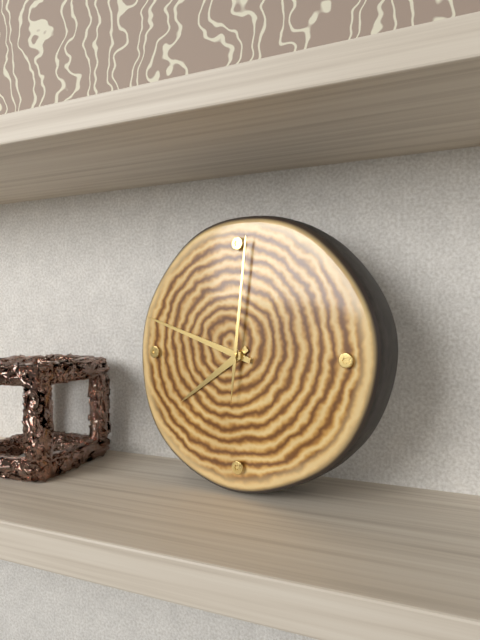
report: 7,48,01
